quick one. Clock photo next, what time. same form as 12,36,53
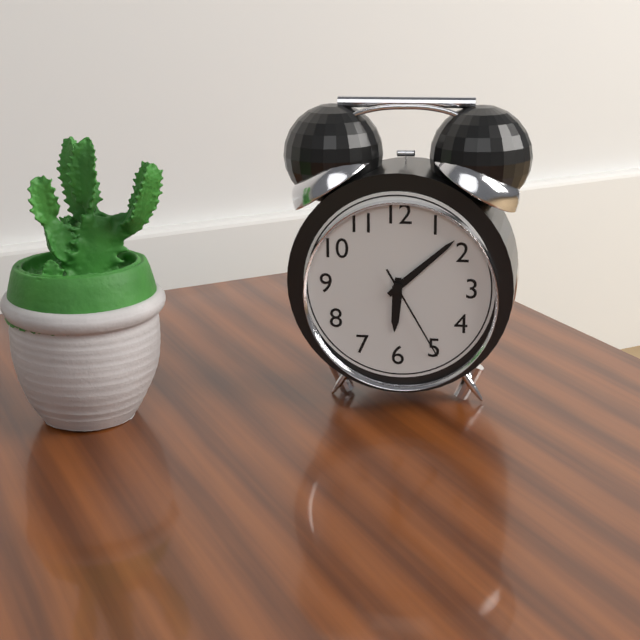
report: 6,08,25
